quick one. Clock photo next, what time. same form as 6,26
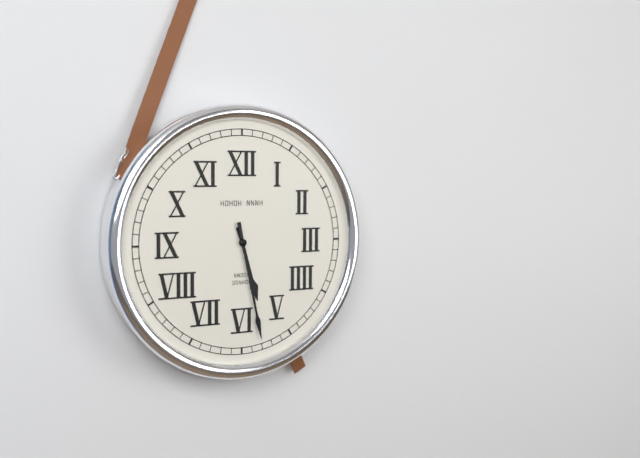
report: 5,28
